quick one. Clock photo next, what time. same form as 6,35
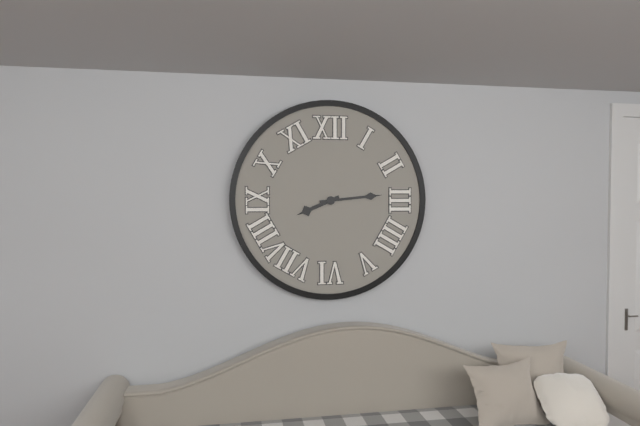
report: 8,14
